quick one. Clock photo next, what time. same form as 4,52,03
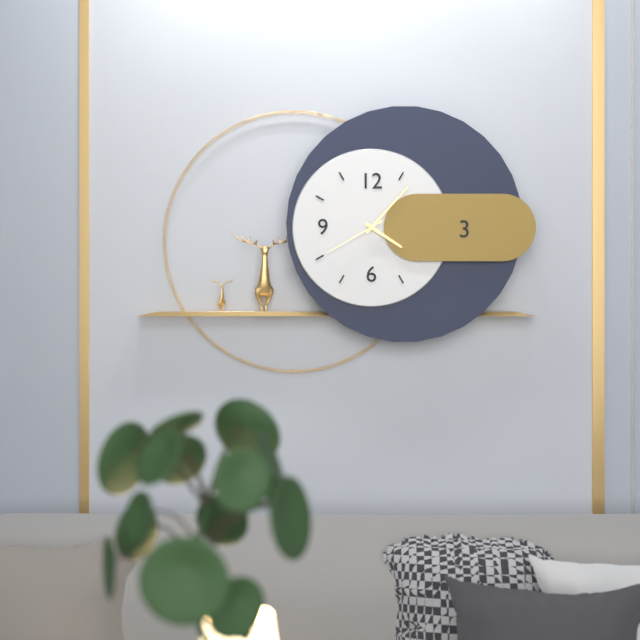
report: 4,07,40
